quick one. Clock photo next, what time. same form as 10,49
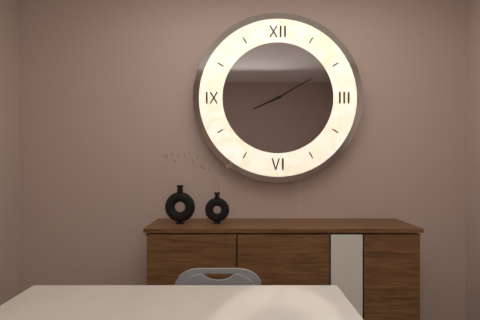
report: 8,10
